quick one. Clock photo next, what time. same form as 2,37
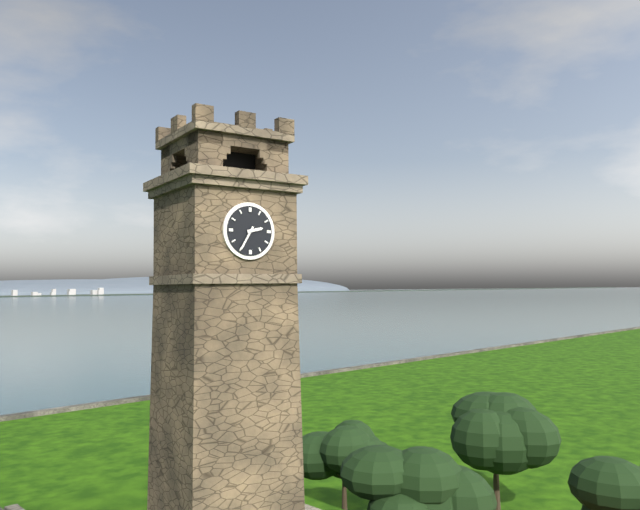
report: 2,35
